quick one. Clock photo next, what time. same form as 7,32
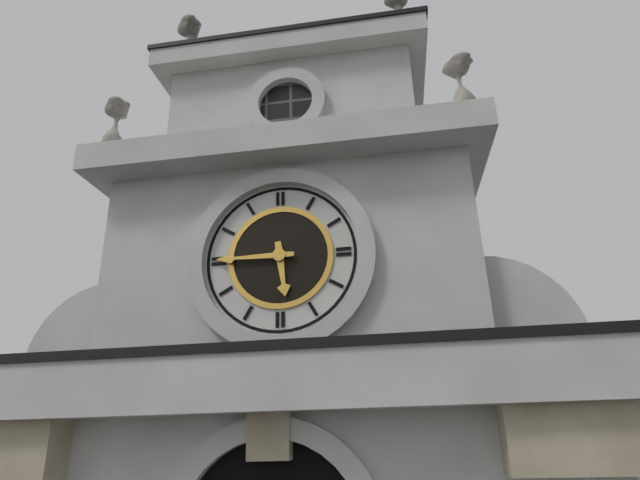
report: 5,45
